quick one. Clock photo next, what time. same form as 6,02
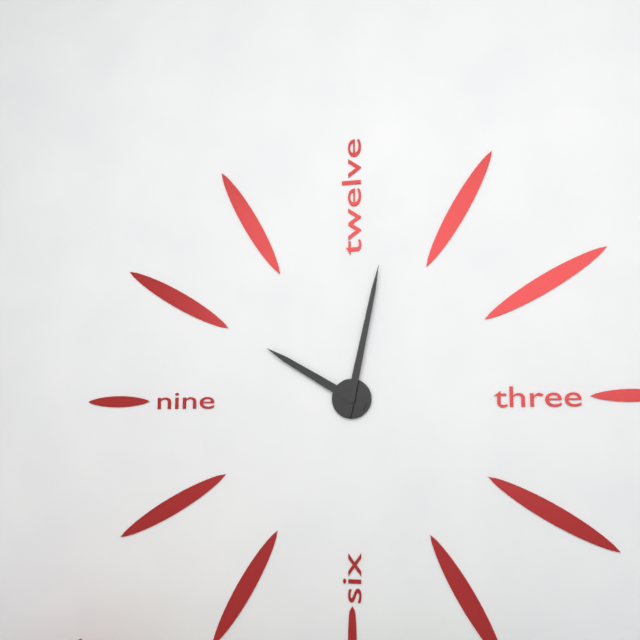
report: 10,02
